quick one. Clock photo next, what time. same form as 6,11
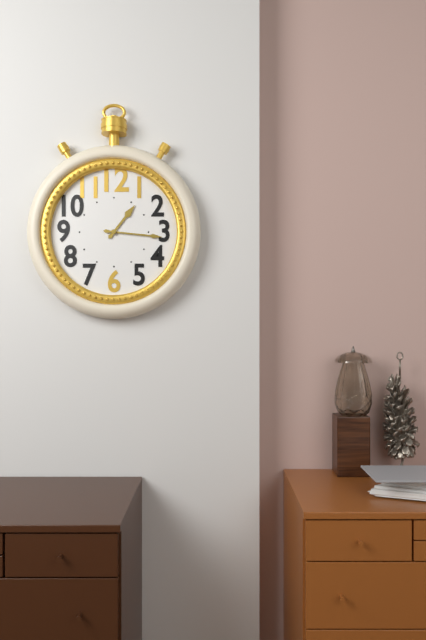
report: 1,16
